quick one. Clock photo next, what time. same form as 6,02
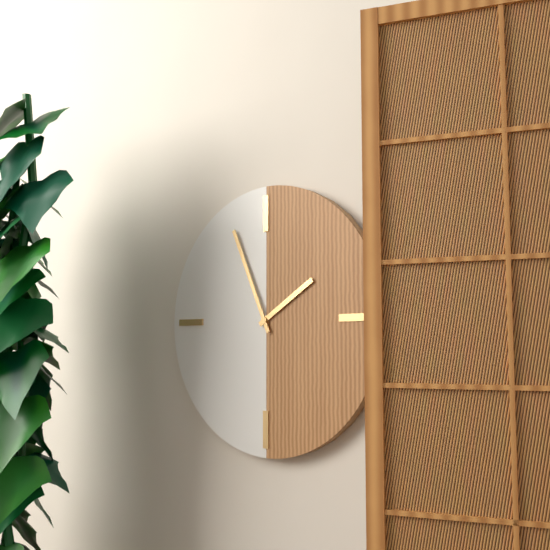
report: 1,56
